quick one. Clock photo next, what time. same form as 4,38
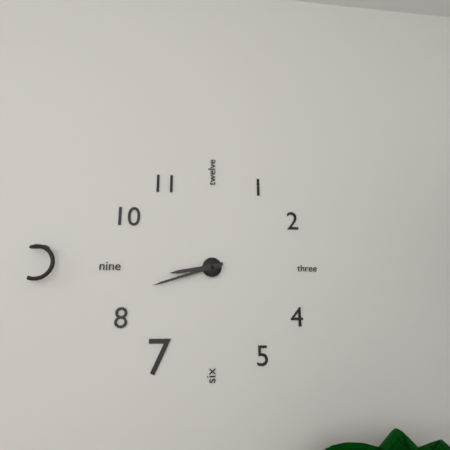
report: 8,42
